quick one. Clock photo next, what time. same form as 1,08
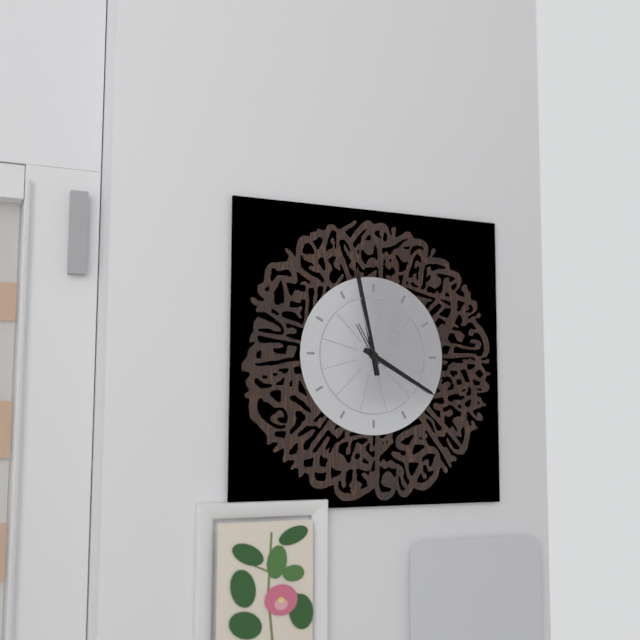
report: 3,58
